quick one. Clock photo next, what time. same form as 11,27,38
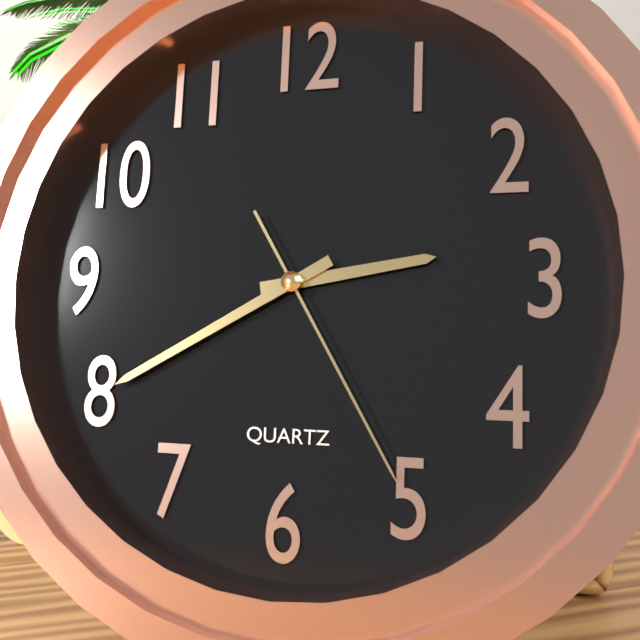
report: 2,40,25
